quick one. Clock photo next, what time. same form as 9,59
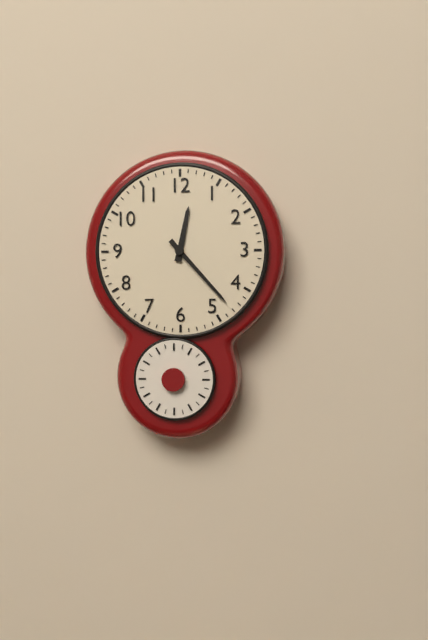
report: 12,23
